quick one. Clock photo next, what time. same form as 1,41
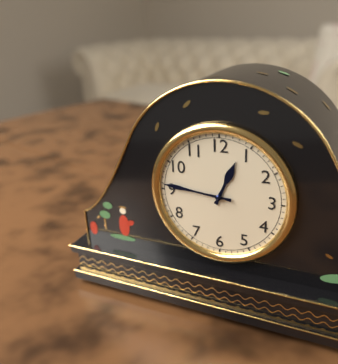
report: 12,46
